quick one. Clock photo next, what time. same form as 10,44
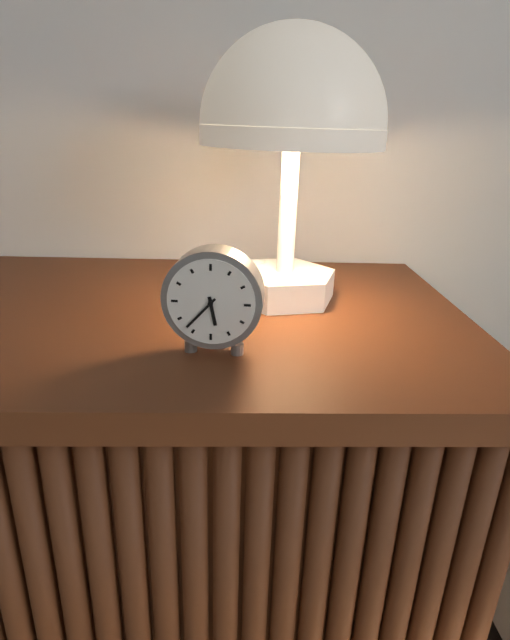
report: 5,37
